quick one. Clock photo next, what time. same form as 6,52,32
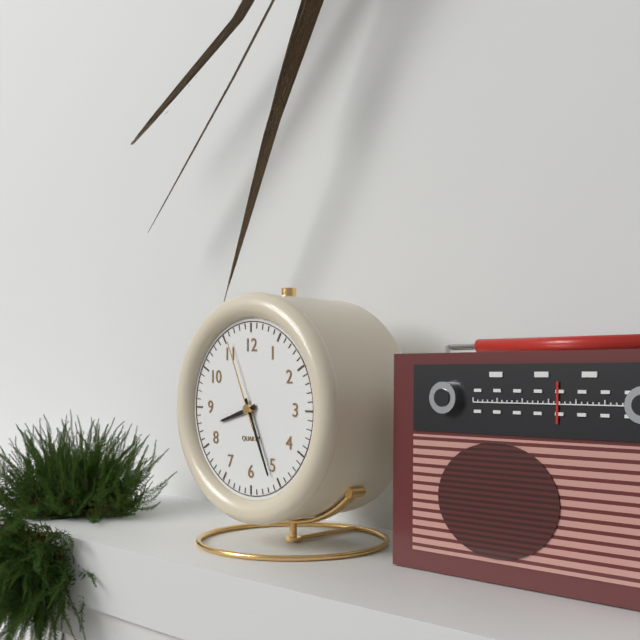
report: 8,26,56
